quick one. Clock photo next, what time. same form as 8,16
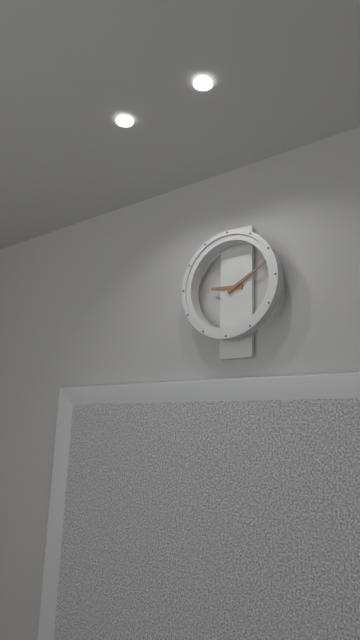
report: 9,10
